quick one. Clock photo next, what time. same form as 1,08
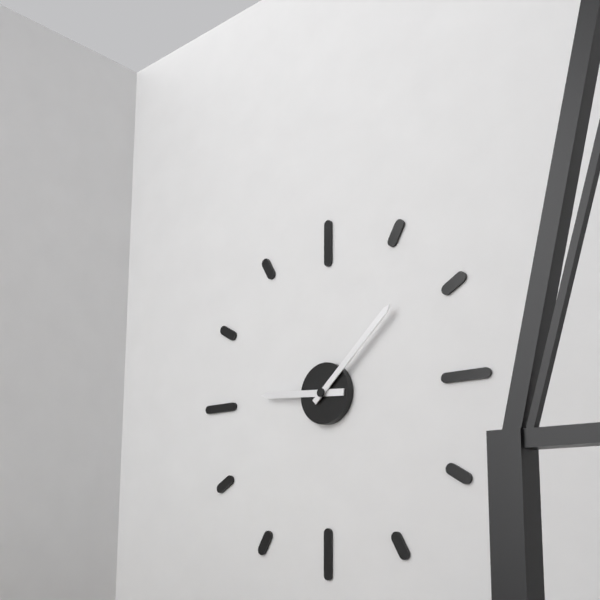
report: 9,08
